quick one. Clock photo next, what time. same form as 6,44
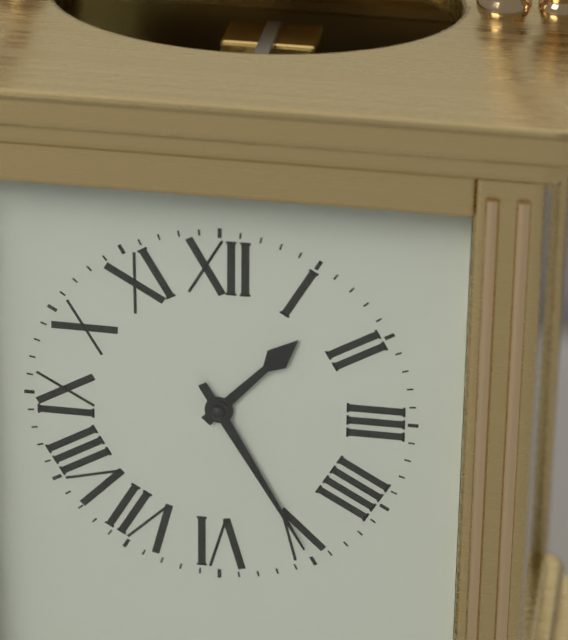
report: 1,25
